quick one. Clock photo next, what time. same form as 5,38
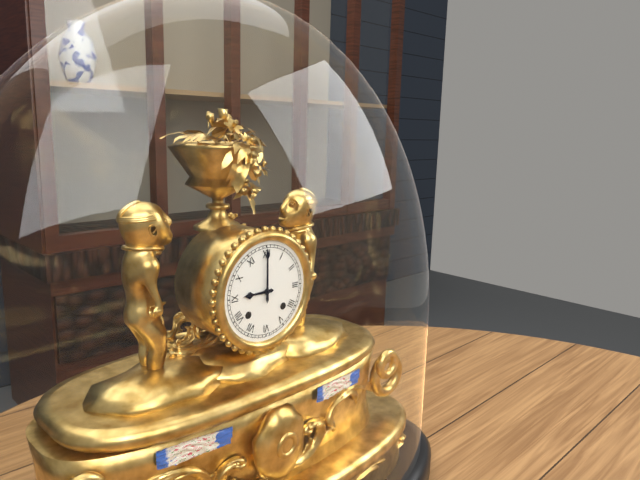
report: 9,00
